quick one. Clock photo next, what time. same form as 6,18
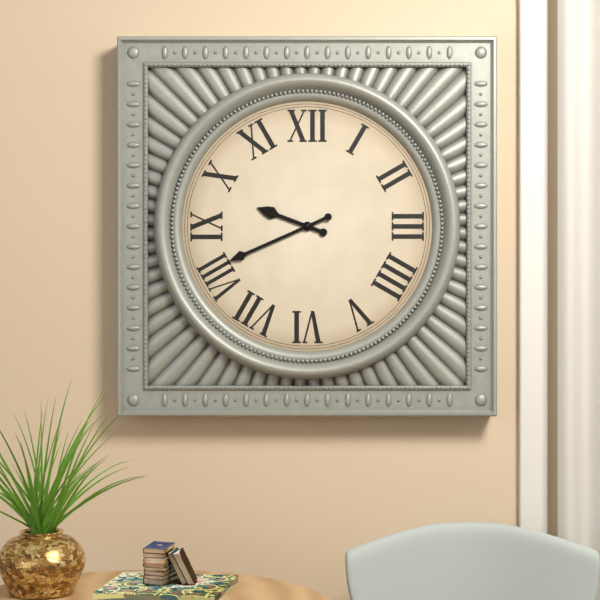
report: 9,41
